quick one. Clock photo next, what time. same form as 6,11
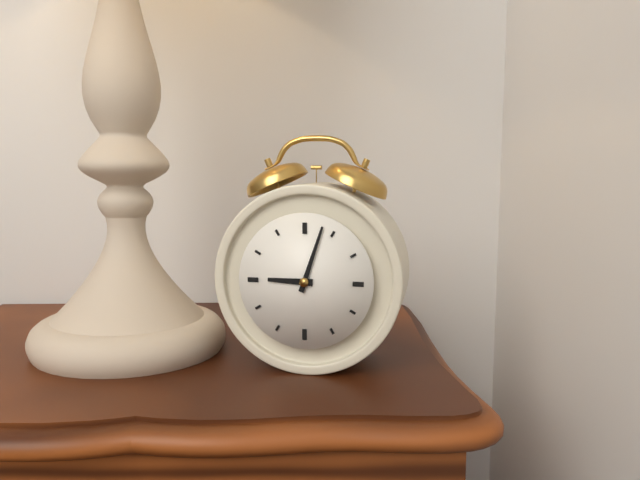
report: 9,03
